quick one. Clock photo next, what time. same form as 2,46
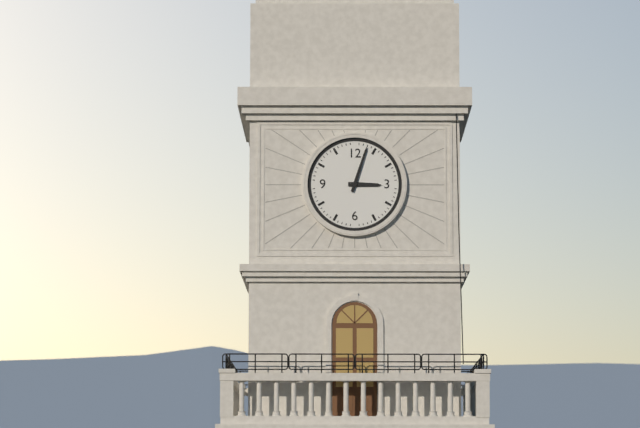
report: 3,03
